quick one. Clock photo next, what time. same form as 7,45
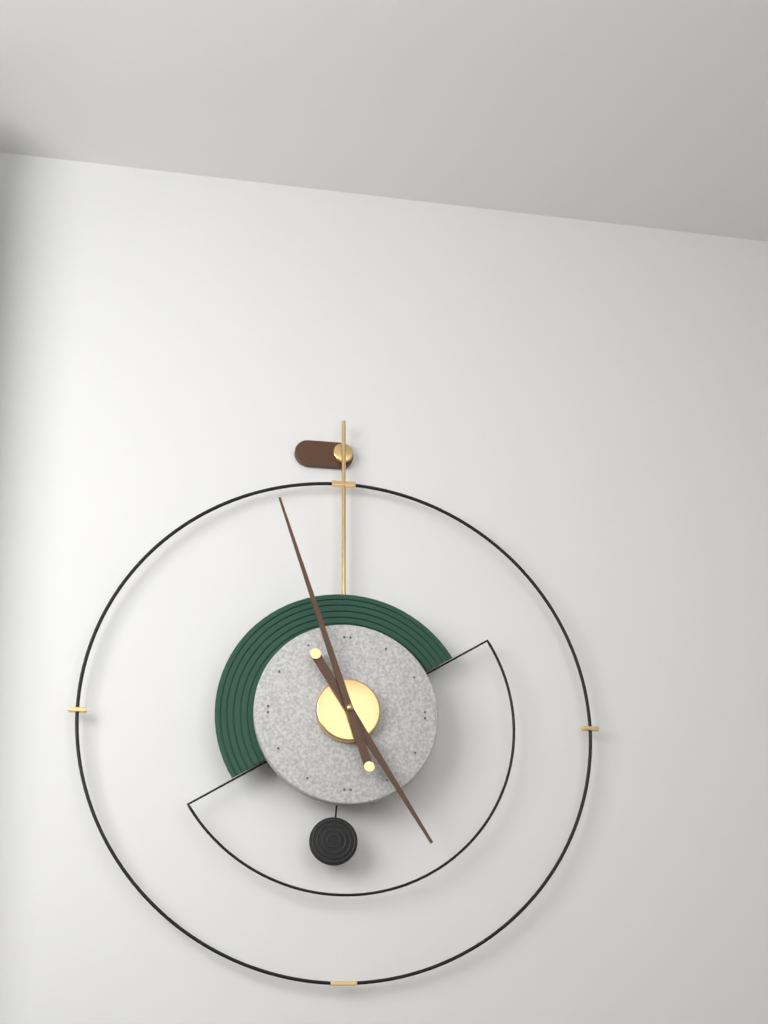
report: 4,57
